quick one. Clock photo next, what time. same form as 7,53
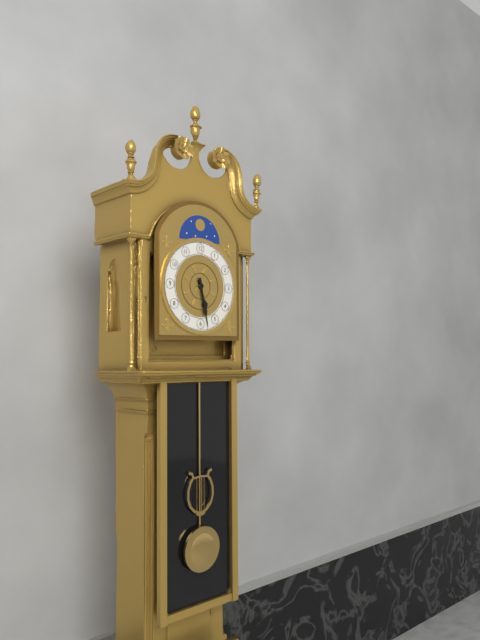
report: 5,28
